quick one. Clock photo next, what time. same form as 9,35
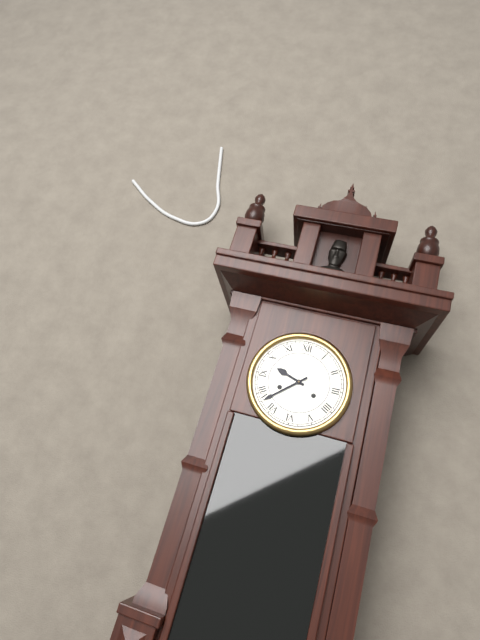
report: 9,38
